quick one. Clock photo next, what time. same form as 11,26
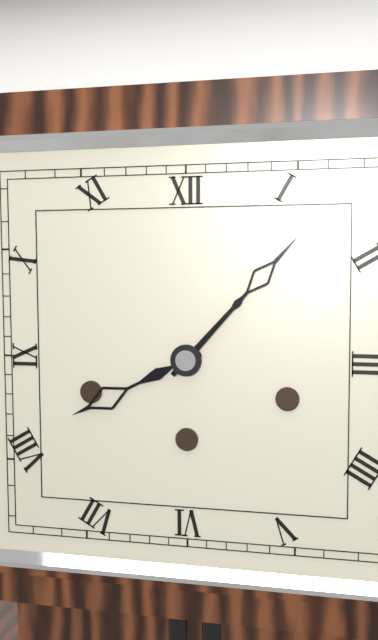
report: 8,07
